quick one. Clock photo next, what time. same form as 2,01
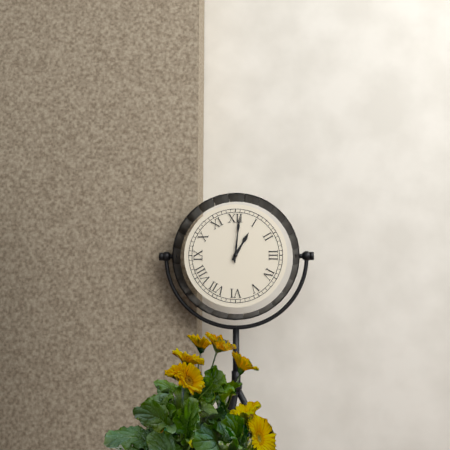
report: 1,01
